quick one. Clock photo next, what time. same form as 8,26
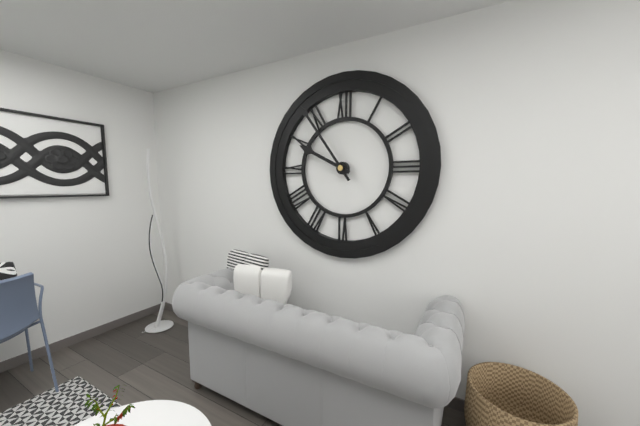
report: 9,54
